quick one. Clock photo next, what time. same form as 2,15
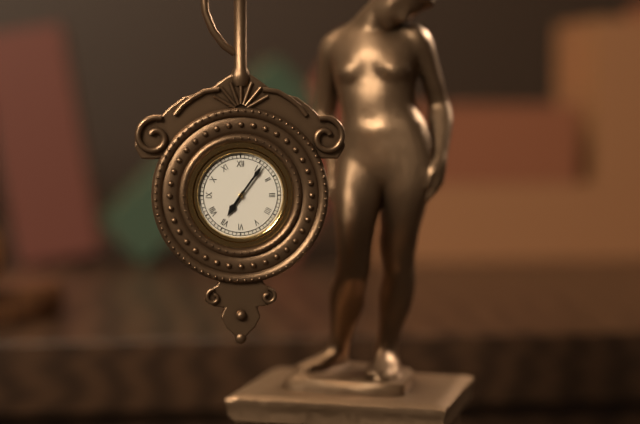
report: 7,06
